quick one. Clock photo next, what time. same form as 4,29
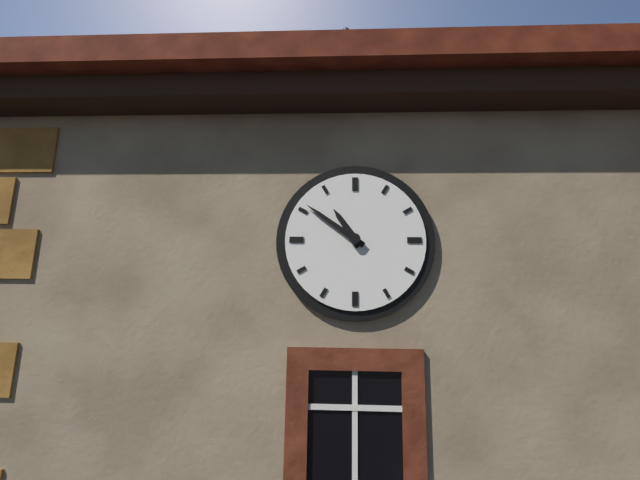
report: 10,51
